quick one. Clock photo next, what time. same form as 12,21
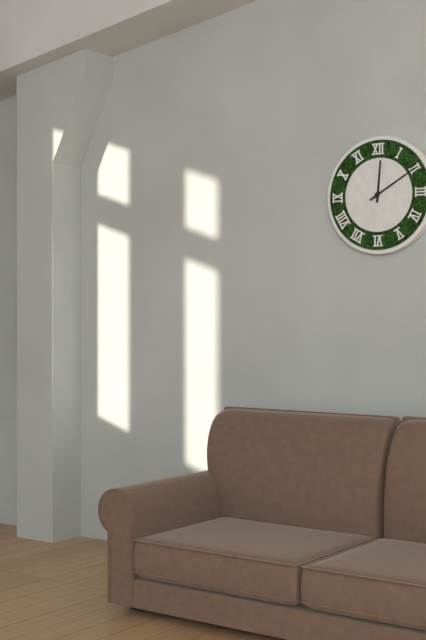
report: 12,10
